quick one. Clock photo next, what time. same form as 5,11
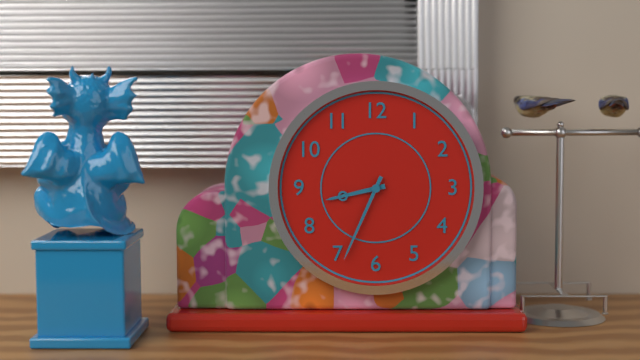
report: 8,34
